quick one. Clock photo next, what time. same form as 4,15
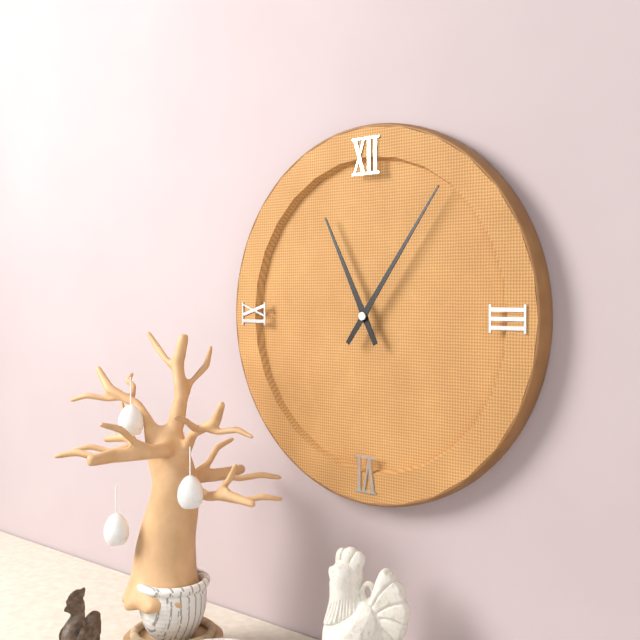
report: 11,06
